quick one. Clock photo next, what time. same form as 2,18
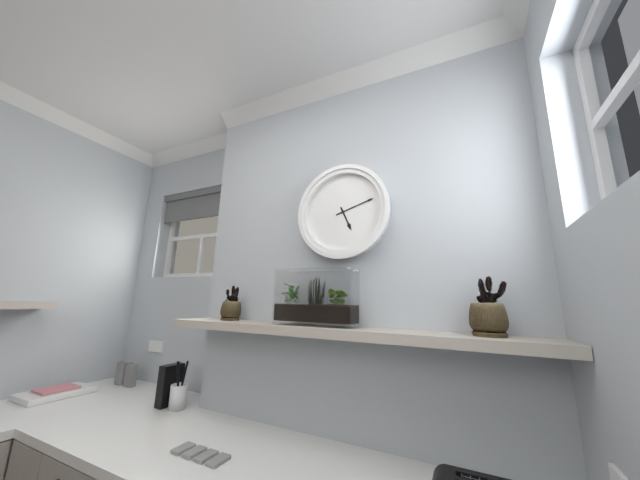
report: 5,12
